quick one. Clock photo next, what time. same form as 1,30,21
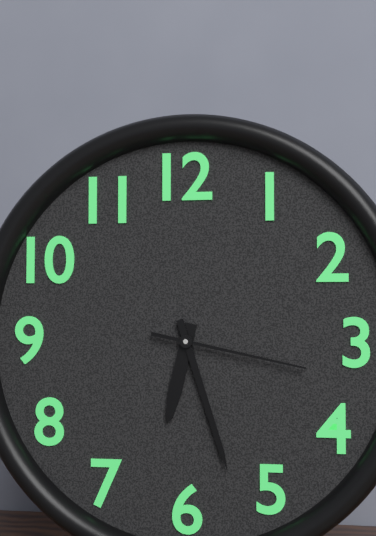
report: 6,27,17
